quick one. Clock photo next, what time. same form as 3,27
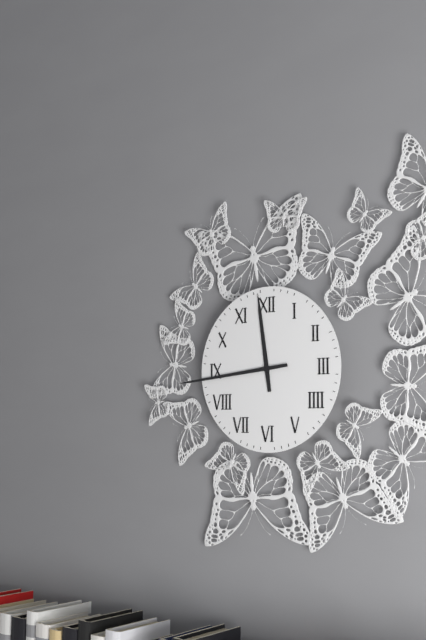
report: 11,44
